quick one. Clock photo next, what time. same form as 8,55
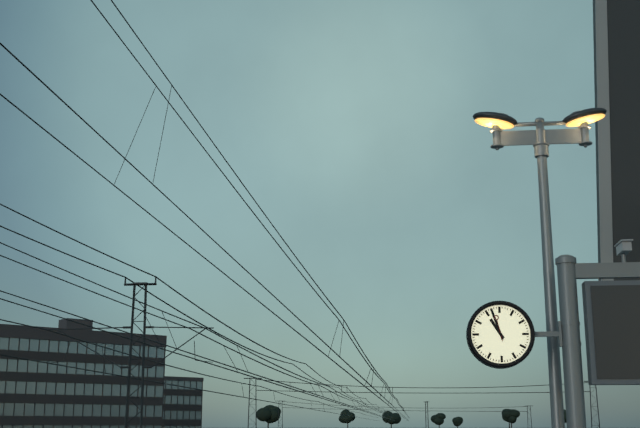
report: 10,57
